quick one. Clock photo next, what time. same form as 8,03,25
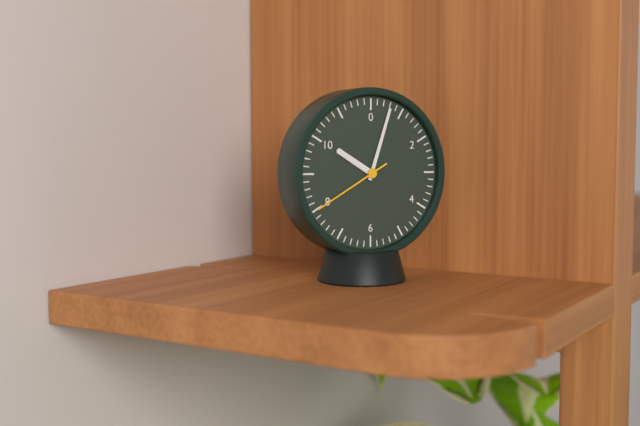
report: 10,03,40
